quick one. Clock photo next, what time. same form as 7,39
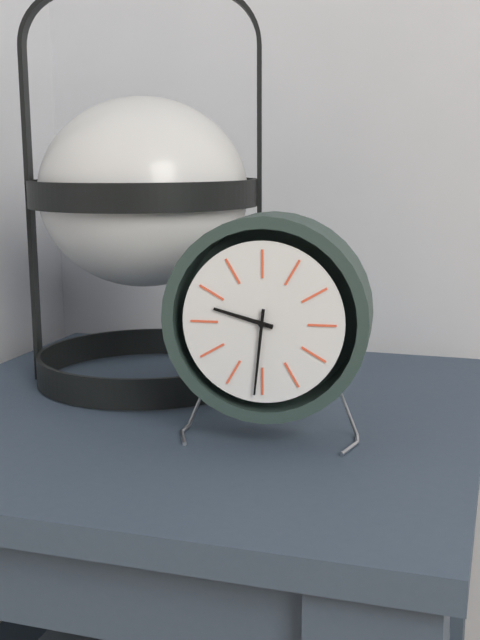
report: 9,31
